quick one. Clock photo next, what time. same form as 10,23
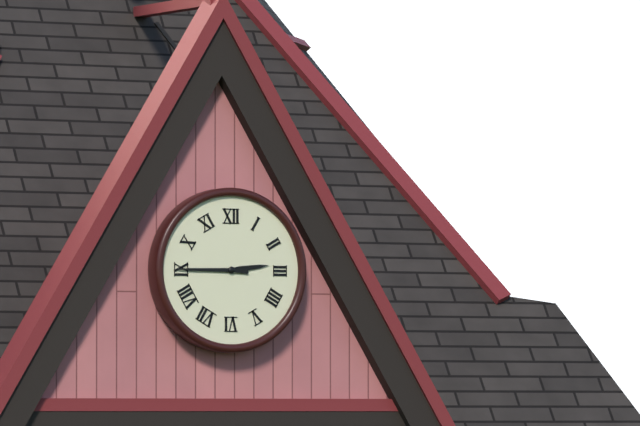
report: 2,45
